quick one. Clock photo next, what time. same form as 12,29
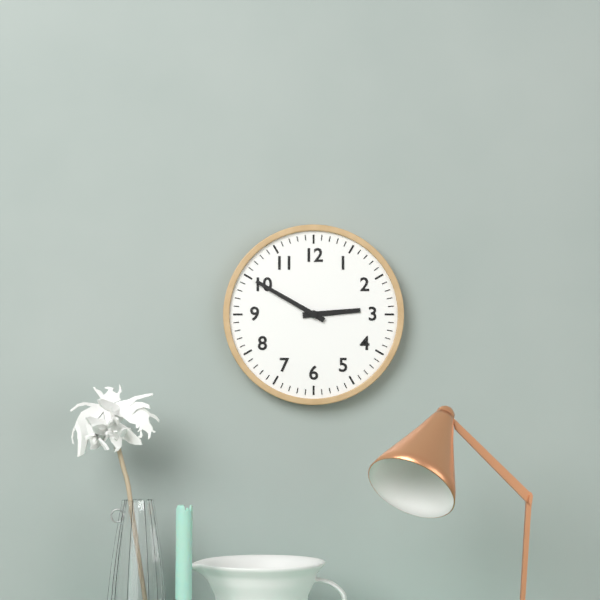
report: 2,50
